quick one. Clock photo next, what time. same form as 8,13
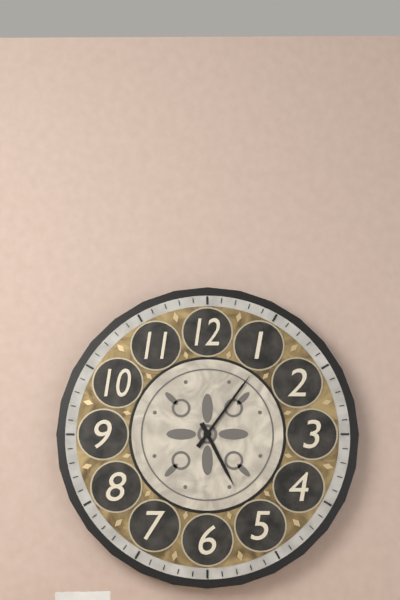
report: 5,06
